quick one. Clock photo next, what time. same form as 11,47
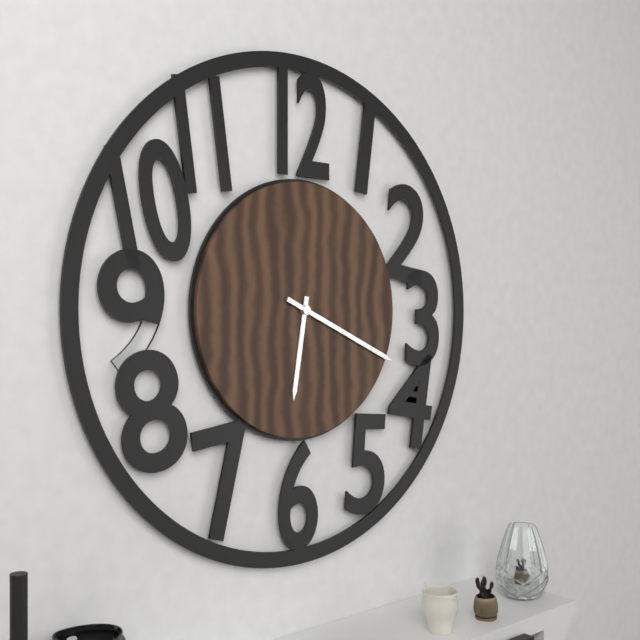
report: 6,19
